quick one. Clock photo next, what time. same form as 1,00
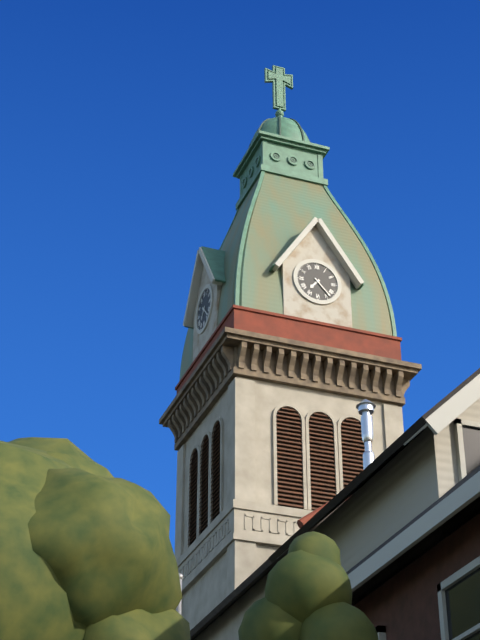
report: 7,23
